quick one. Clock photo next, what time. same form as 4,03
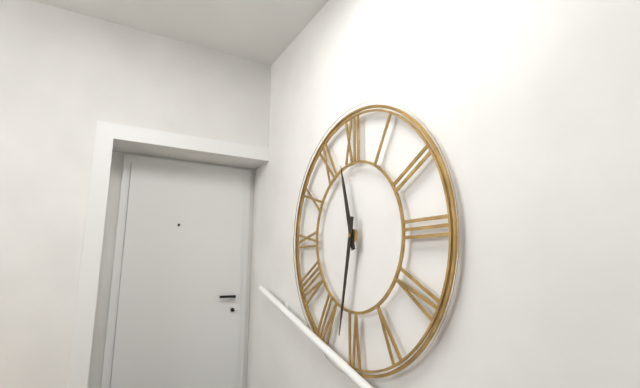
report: 11,32
